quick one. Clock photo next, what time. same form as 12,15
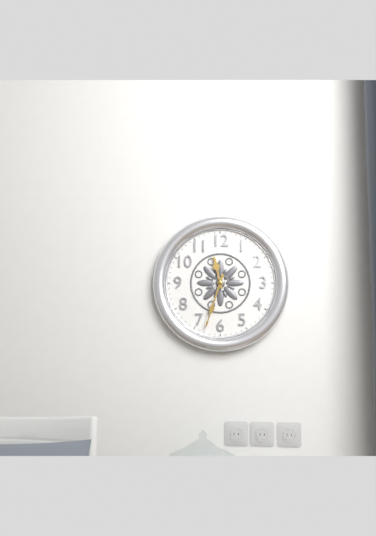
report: 11,33
